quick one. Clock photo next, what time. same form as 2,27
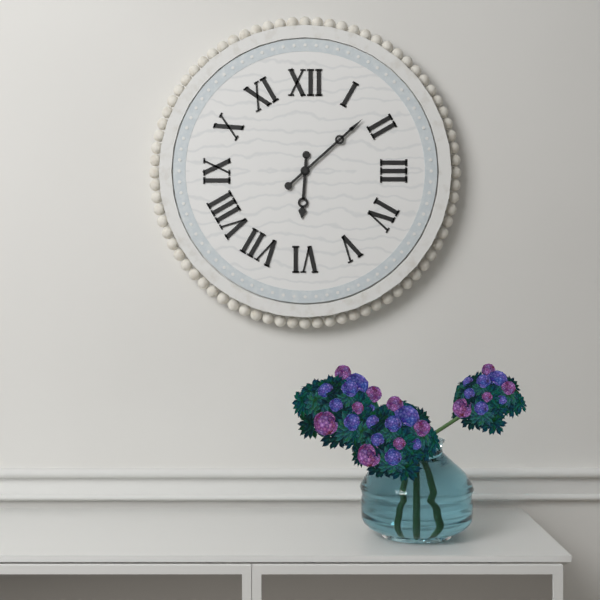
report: 6,08
